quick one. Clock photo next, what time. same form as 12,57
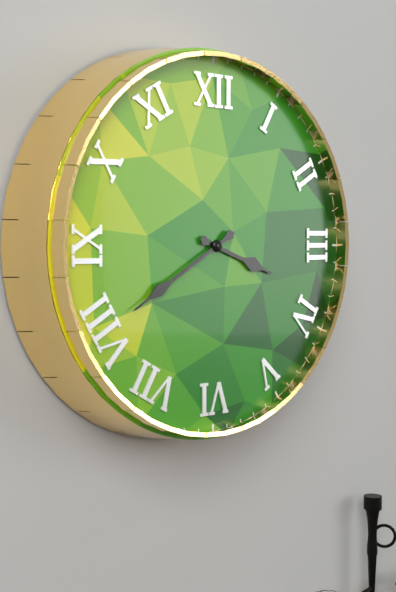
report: 3,40
